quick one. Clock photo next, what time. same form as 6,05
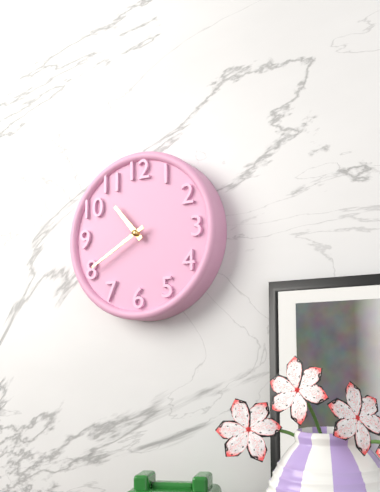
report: 10,40
